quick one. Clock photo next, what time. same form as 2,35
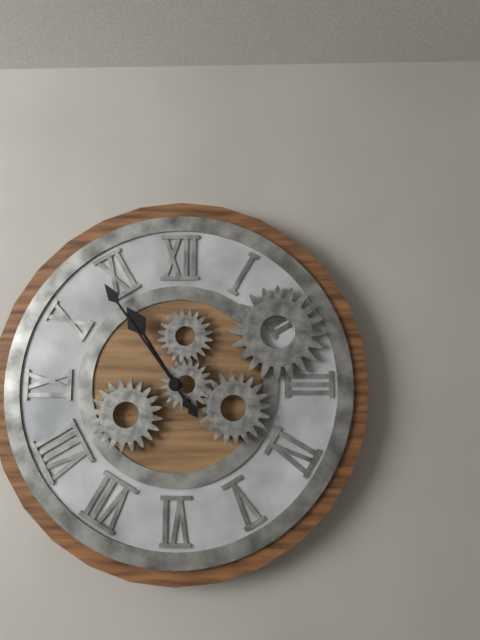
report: 10,54
